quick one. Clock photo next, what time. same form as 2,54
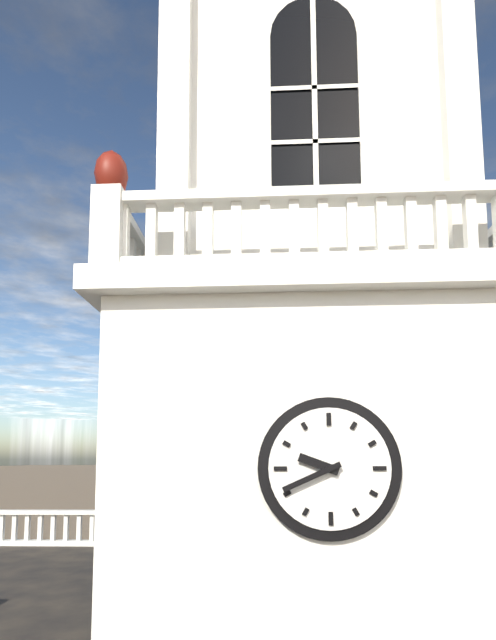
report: 9,41
